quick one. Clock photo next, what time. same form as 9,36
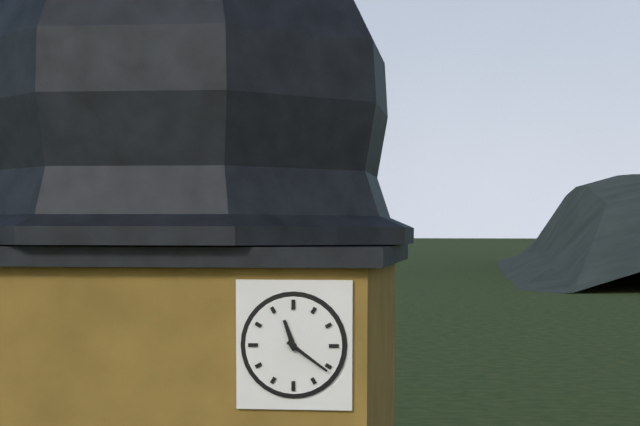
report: 11,21
